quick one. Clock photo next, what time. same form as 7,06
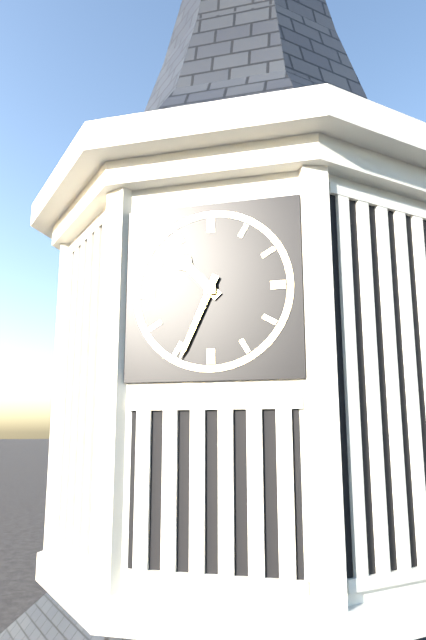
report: 10,34
